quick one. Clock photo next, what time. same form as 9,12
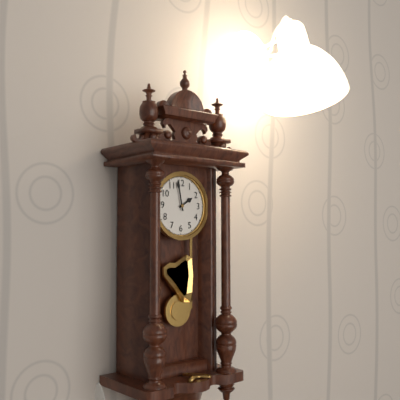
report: 1,58
